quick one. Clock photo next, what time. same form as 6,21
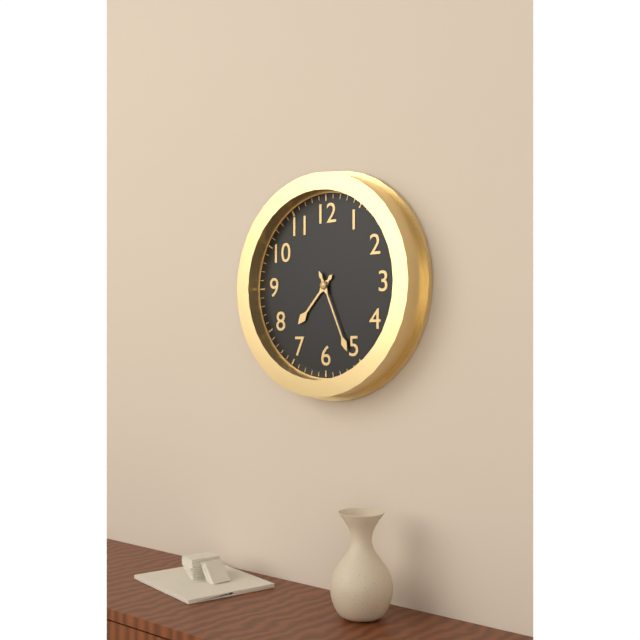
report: 7,26
